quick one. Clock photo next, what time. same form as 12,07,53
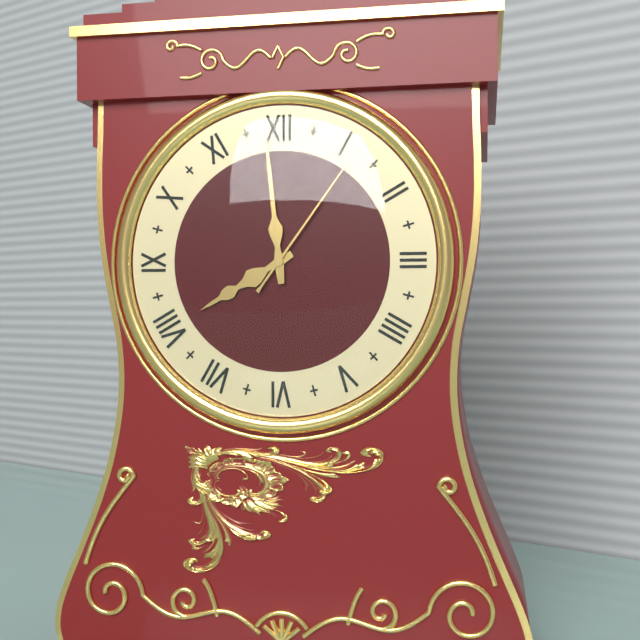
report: 7,59,06
